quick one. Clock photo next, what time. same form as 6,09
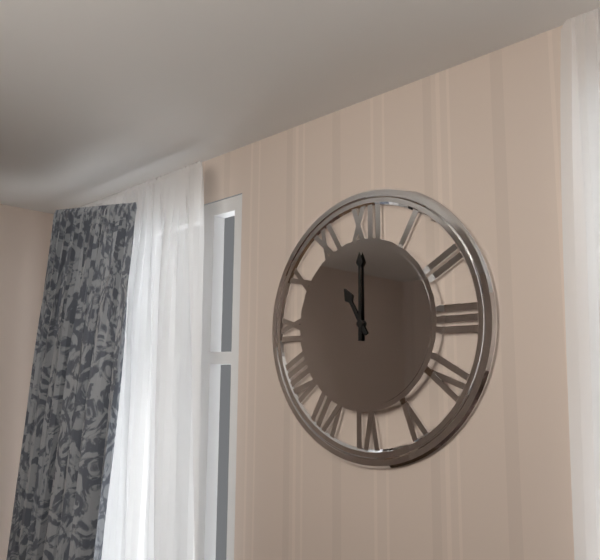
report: 11,00
